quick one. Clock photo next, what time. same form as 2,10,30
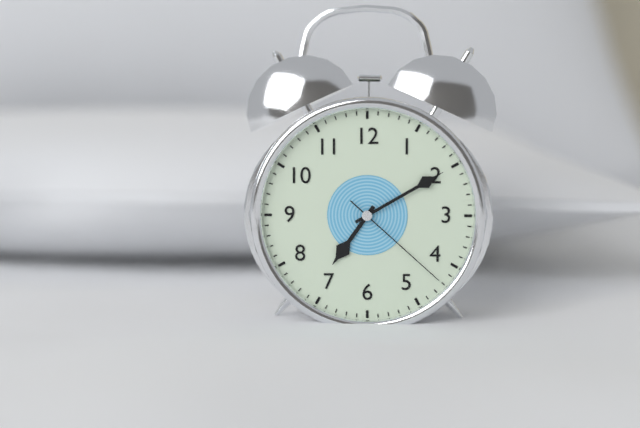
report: 7,10,22
